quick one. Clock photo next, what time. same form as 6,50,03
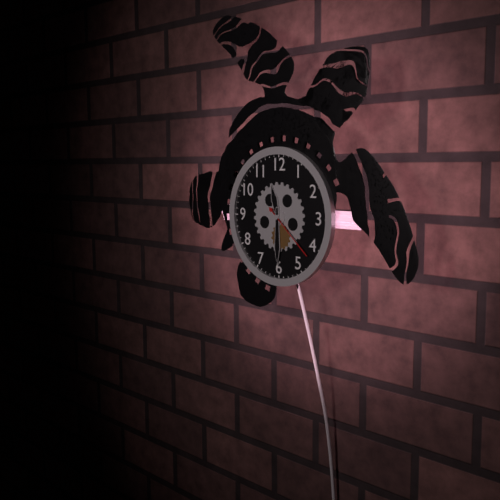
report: 11,30,22
